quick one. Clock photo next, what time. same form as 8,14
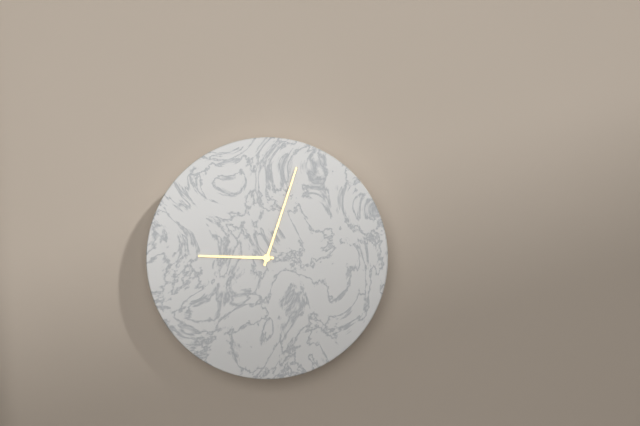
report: 9,03
